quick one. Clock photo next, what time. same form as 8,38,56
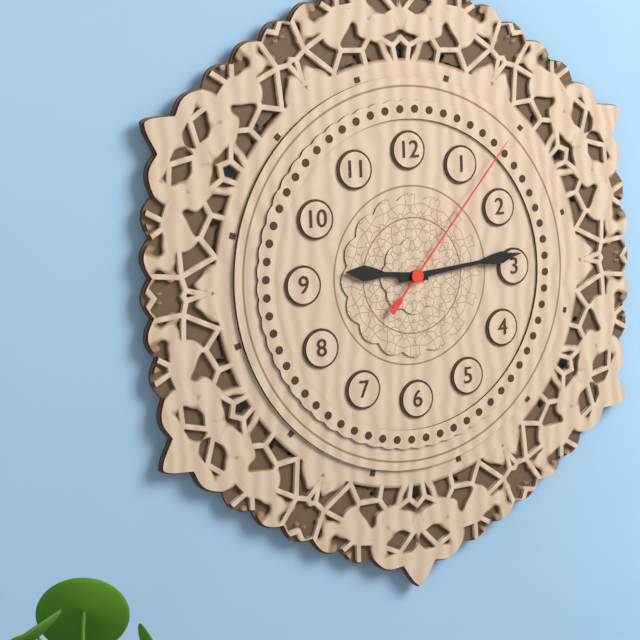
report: 9,14,07
